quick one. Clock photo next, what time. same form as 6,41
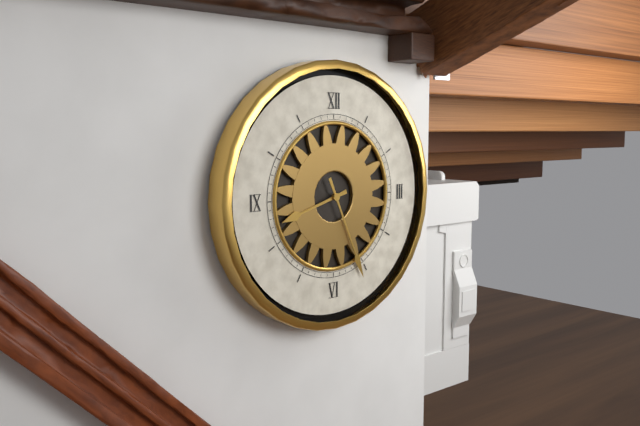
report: 8,26
